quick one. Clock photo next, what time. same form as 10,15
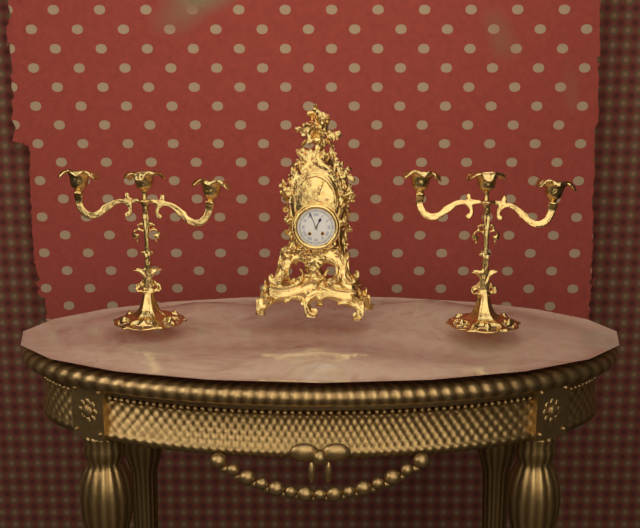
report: 12,56
